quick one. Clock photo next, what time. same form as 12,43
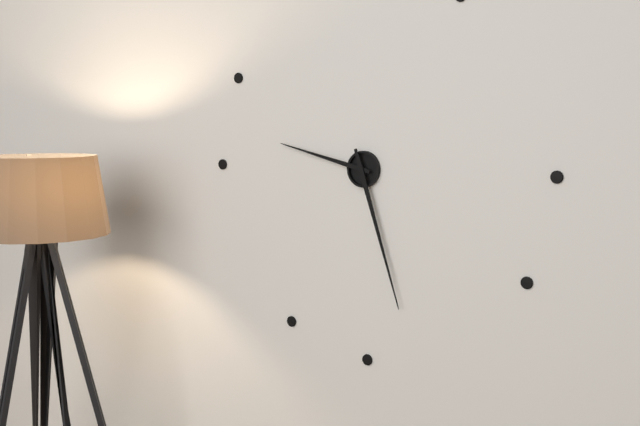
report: 9,27
